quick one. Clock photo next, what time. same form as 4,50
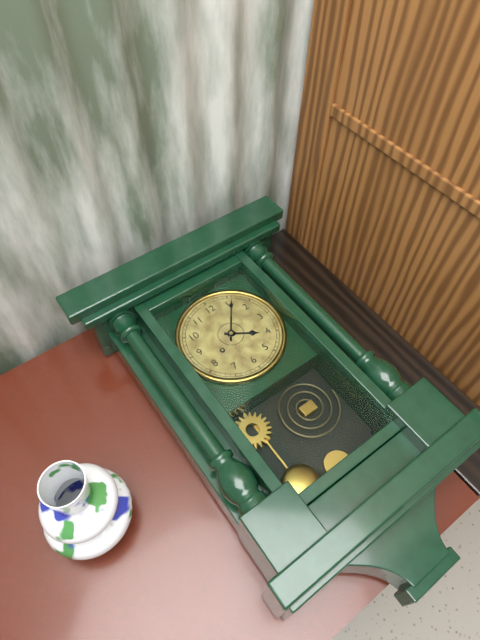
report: 4,06
